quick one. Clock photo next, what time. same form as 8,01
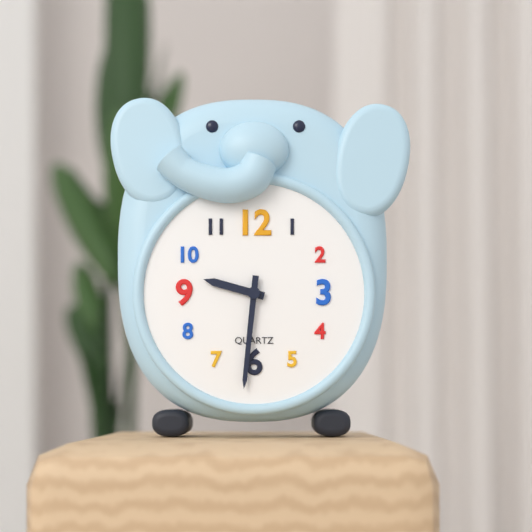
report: 9,31
